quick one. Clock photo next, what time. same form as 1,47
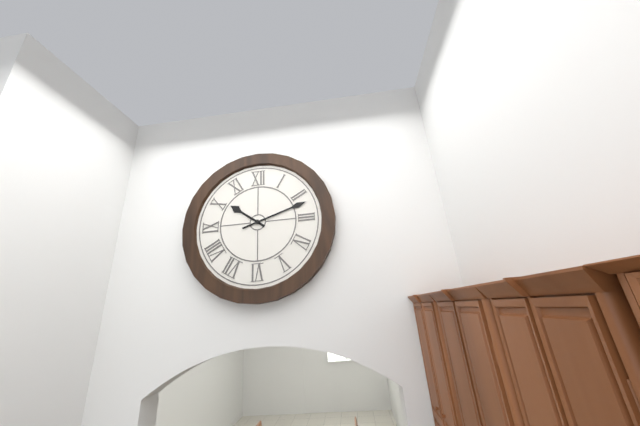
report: 10,12
